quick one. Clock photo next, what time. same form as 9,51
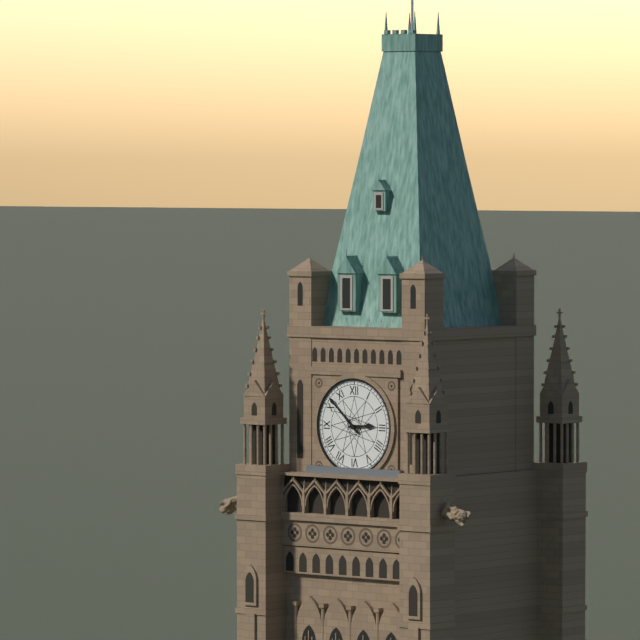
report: 2,52
